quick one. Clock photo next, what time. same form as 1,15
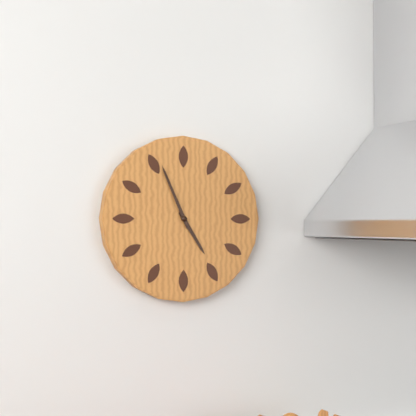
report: 4,56
